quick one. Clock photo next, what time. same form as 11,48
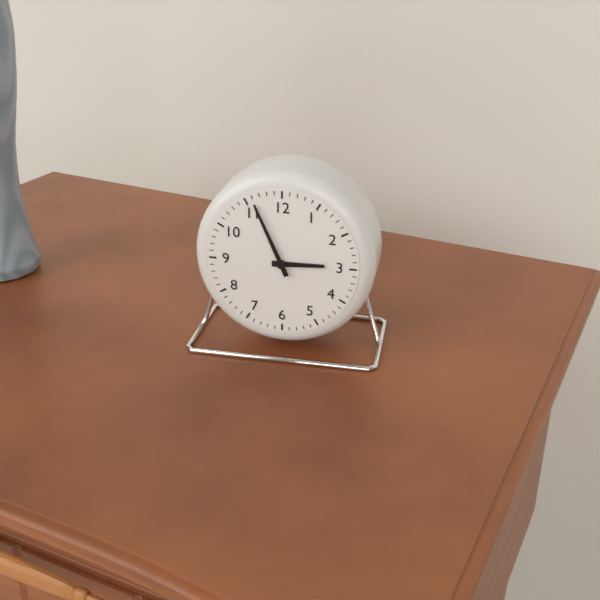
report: 2,56
